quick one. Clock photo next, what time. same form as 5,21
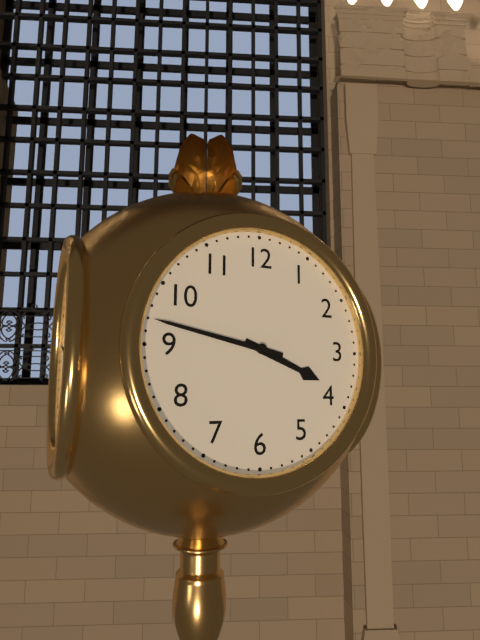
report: 3,47
